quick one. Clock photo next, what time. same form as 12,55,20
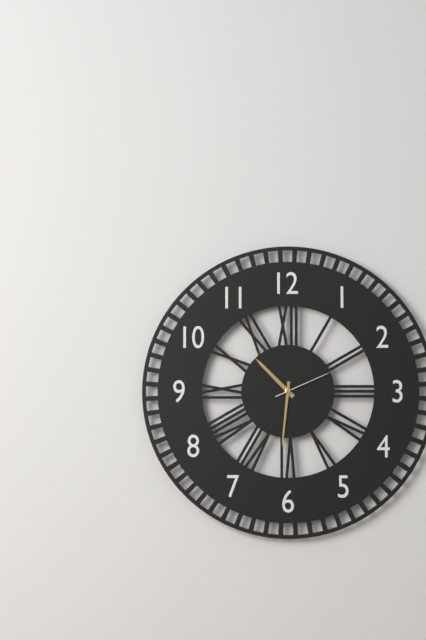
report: 10,31,11
